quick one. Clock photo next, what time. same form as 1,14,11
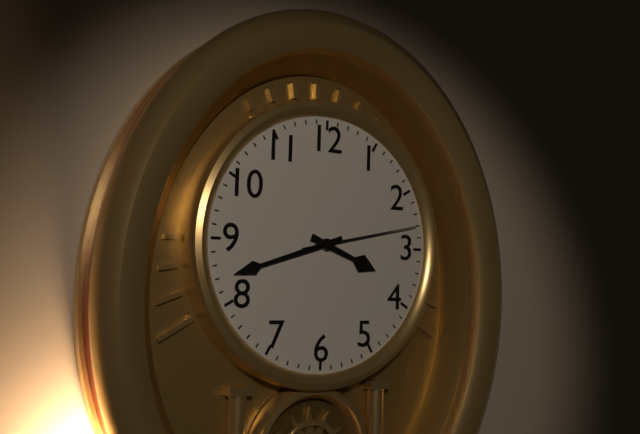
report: 3,42,13
